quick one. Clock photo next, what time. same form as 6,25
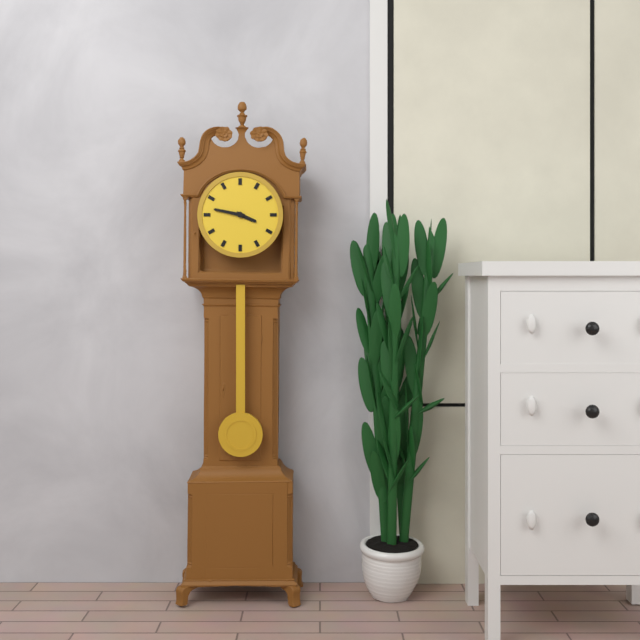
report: 3,47
